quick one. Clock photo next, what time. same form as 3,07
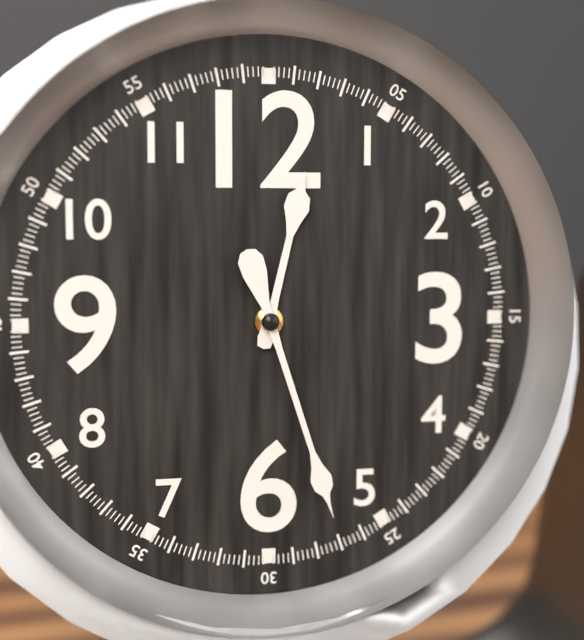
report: 12,27
